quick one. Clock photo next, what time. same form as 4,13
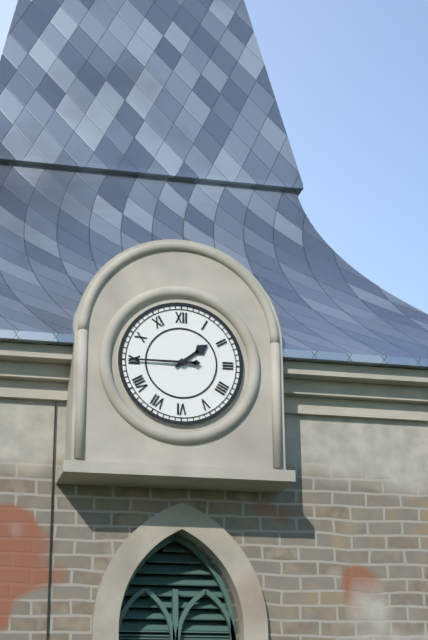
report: 1,45
